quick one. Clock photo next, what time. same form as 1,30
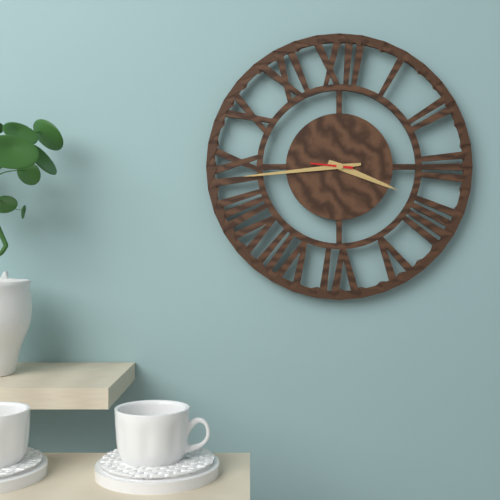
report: 3,44
